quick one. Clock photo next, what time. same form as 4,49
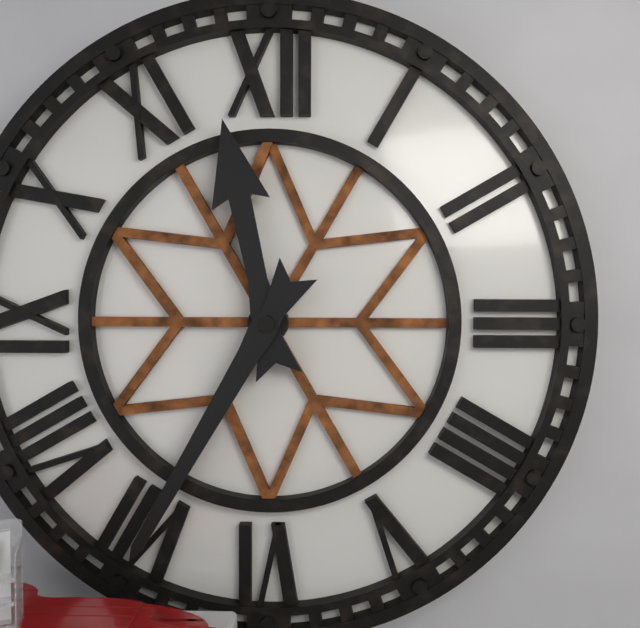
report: 11,35
